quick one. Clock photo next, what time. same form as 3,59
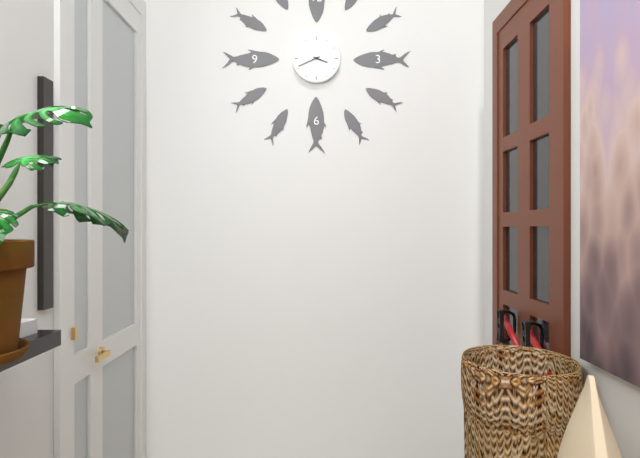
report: 3,41
